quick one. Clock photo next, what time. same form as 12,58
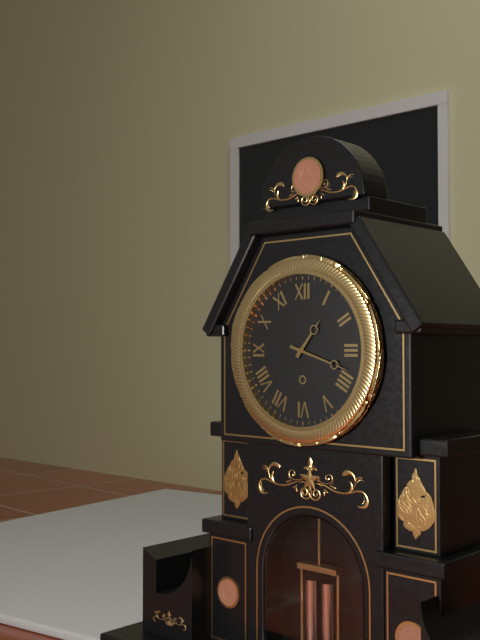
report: 1,18
